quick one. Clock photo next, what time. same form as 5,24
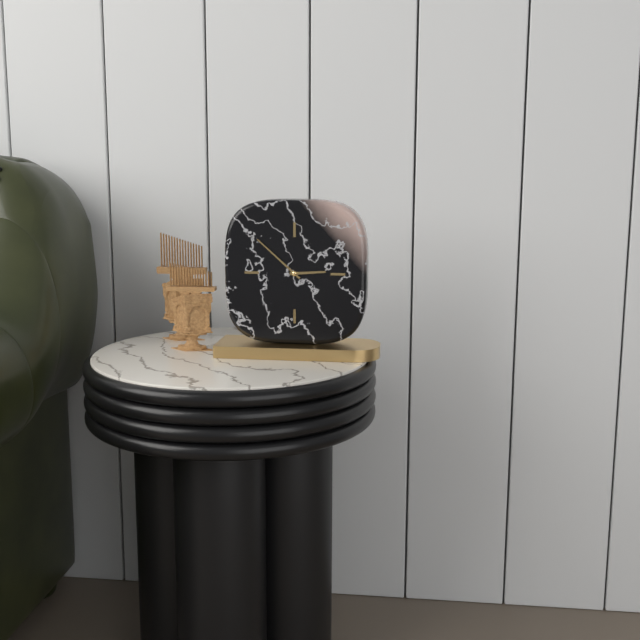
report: 2,52
